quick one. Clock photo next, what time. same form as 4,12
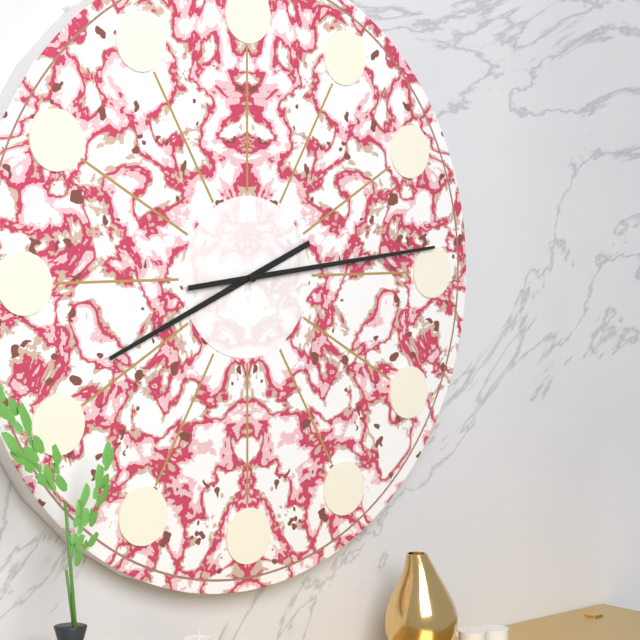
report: 8,14
